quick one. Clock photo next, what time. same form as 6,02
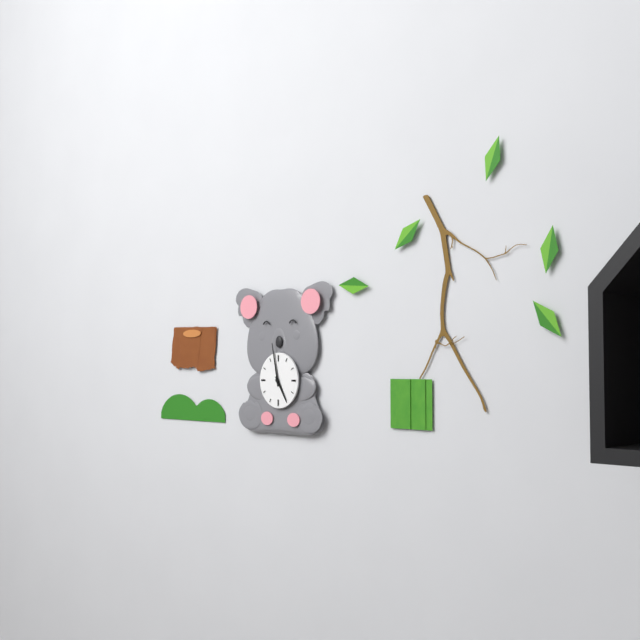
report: 4,58
